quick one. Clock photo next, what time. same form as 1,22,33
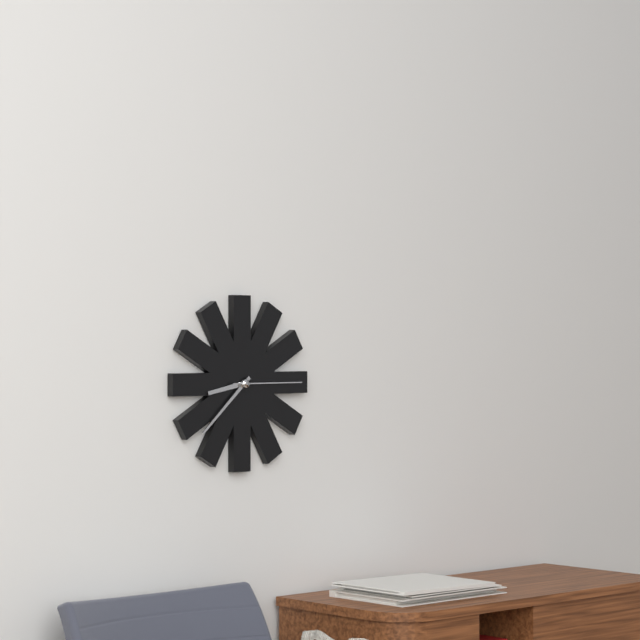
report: 8,38,15
